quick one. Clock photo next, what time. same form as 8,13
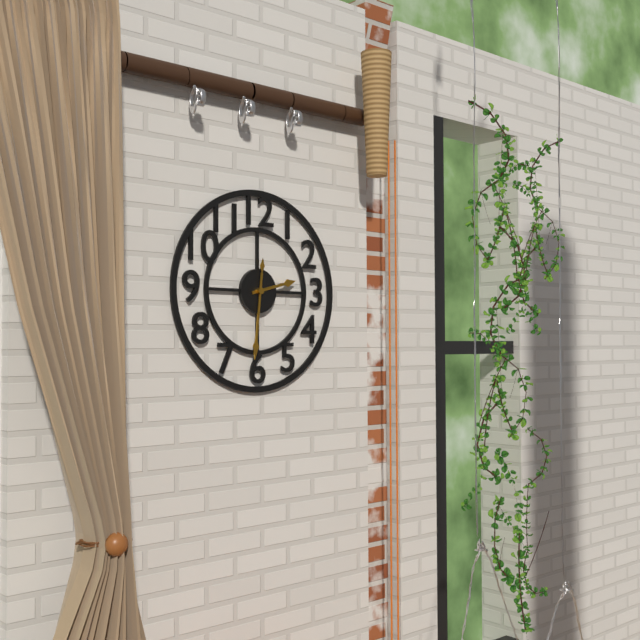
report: 2,31
